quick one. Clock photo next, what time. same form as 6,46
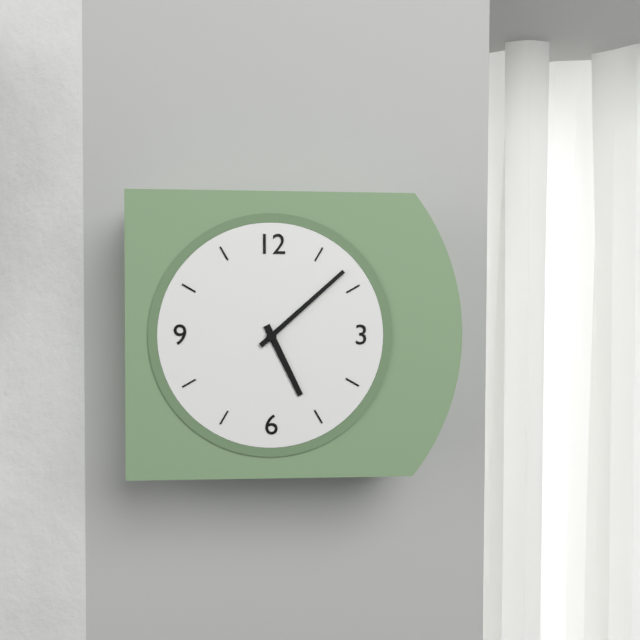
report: 5,08
